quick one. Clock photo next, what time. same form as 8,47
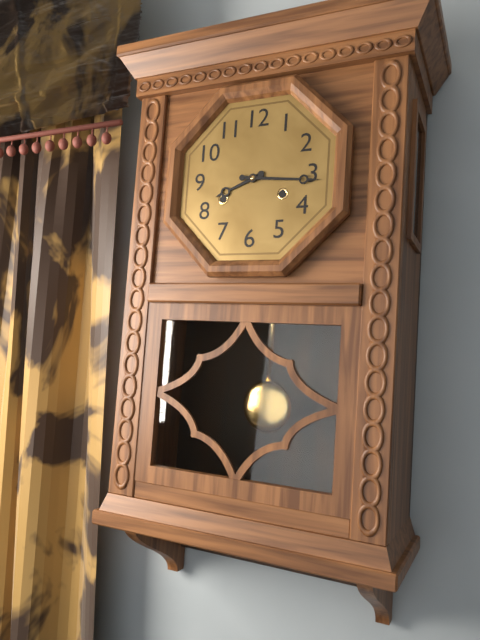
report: 8,16
